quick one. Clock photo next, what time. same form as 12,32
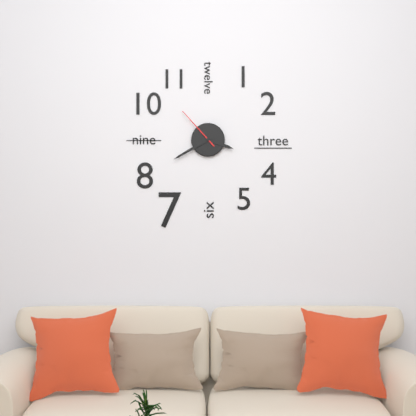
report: 3,40
